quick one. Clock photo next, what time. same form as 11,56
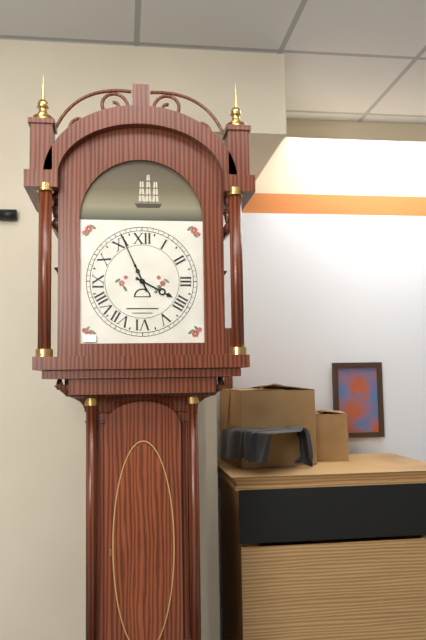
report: 3,56
